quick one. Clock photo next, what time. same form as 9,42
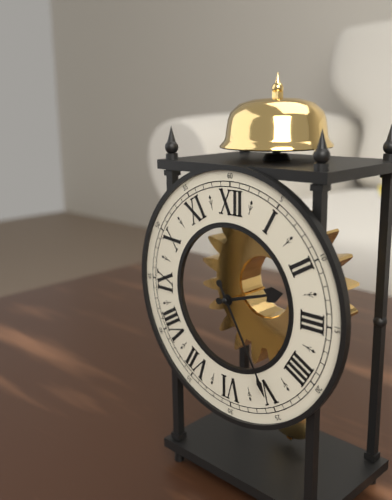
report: 2,25
